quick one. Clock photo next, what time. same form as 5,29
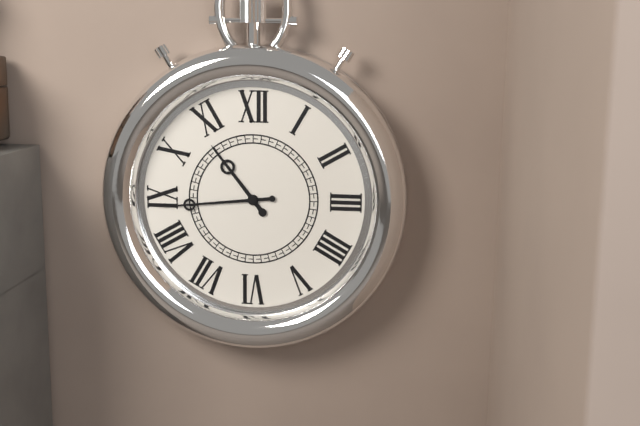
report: 10,44
